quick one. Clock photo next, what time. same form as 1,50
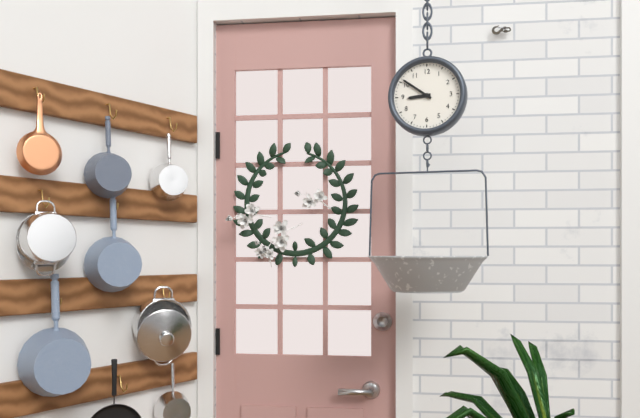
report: 8,51
